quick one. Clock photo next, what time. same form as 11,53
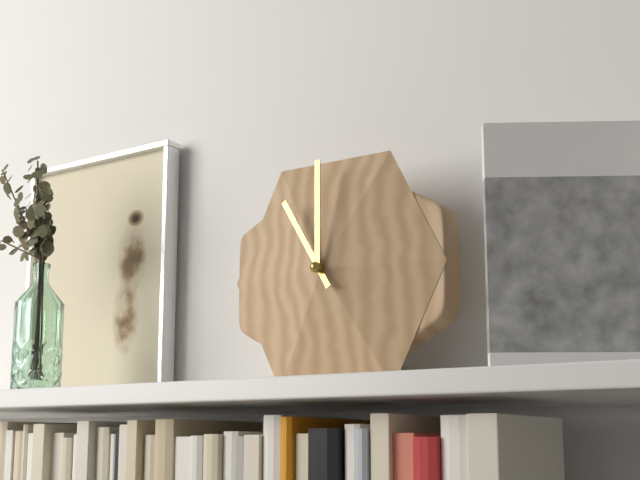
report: 11,00
